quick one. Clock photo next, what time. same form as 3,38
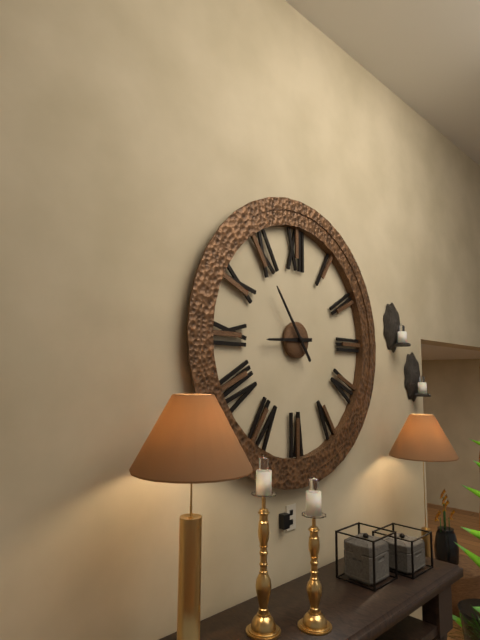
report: 8,54
